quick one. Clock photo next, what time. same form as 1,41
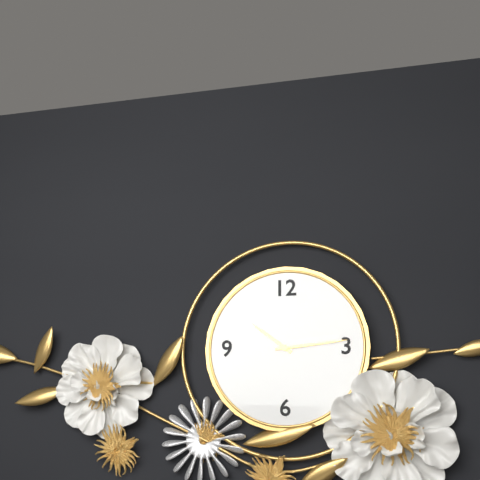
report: 10,14
